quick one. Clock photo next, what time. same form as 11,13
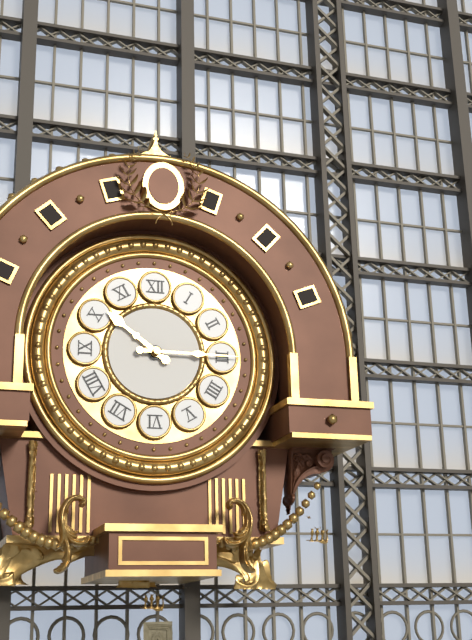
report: 10,15
